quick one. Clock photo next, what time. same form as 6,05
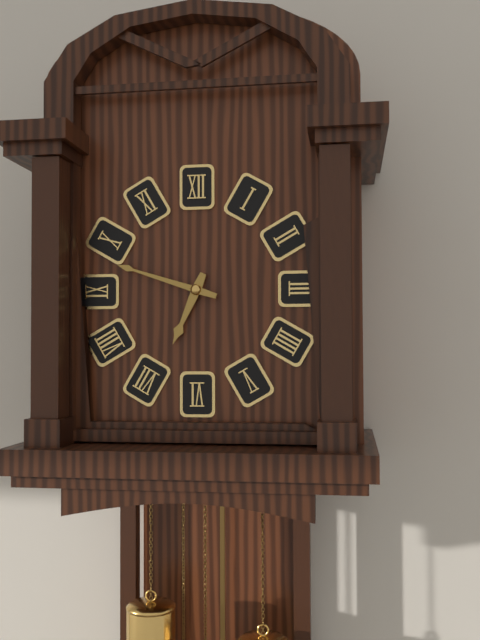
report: 6,48
